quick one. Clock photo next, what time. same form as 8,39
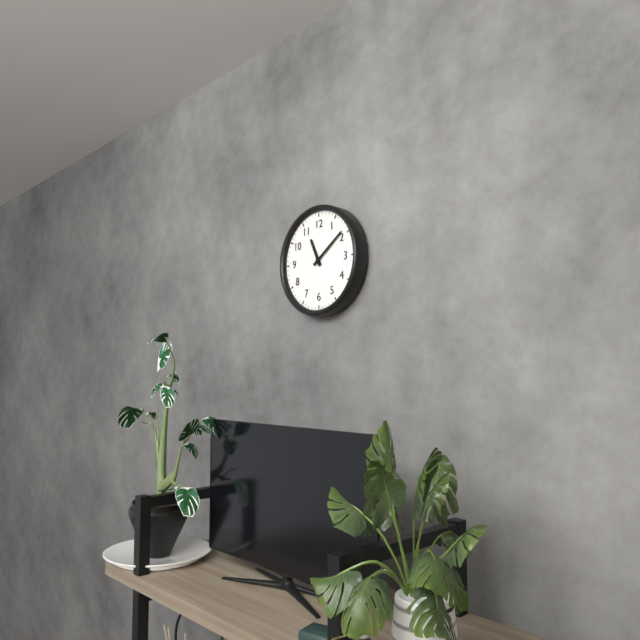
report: 11,09
